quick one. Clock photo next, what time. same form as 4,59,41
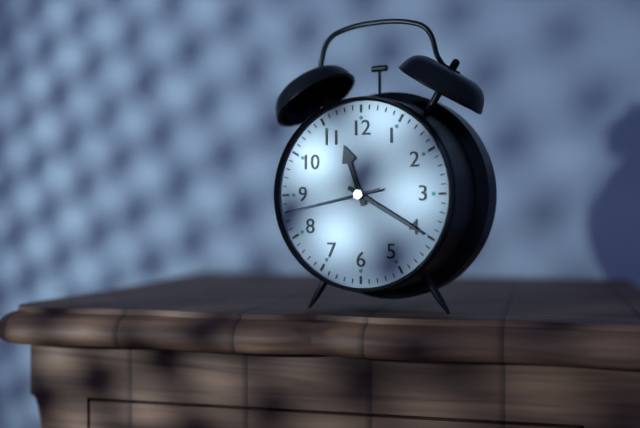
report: 11,20,43
